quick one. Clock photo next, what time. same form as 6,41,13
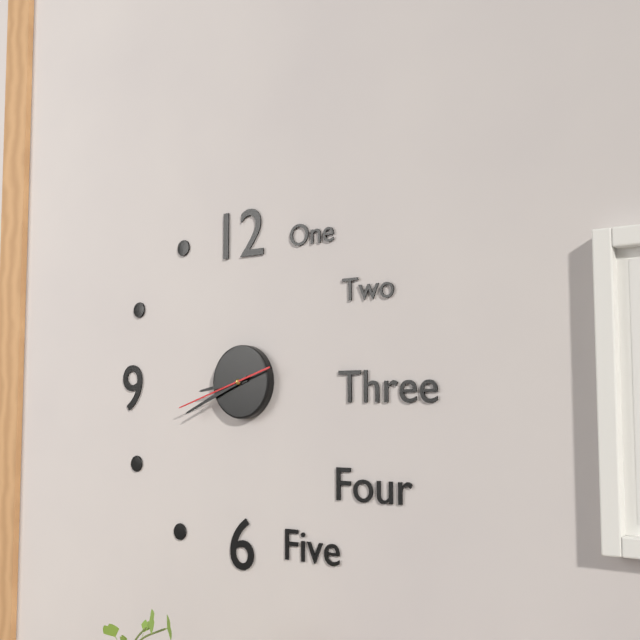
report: 8,41,42
